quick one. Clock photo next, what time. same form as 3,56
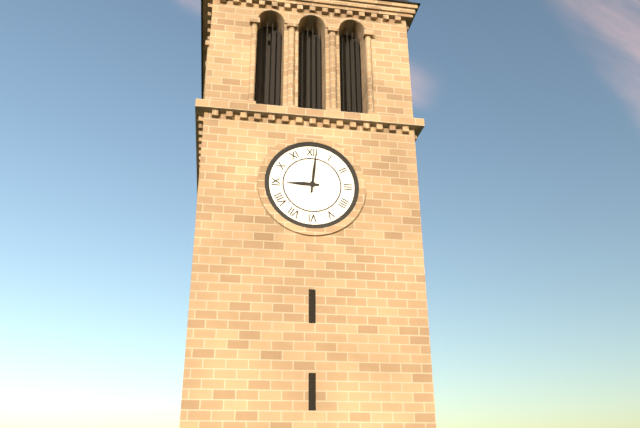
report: 9,01
